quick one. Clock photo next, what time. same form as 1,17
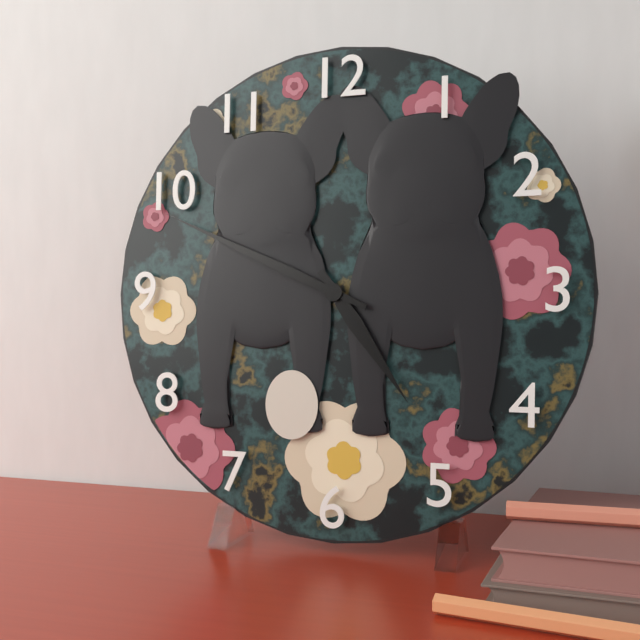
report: 4,49
